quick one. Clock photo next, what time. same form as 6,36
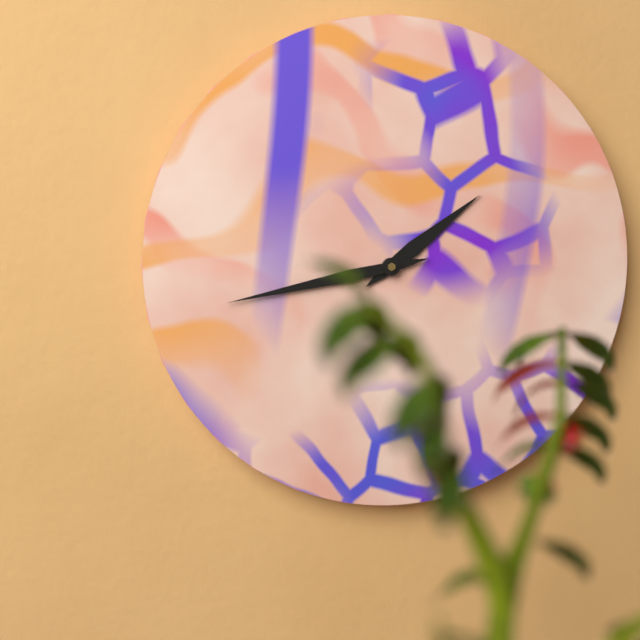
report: 1,43
